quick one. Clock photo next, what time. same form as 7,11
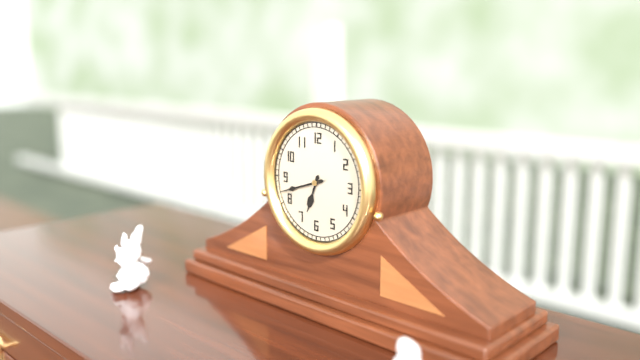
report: 6,42
